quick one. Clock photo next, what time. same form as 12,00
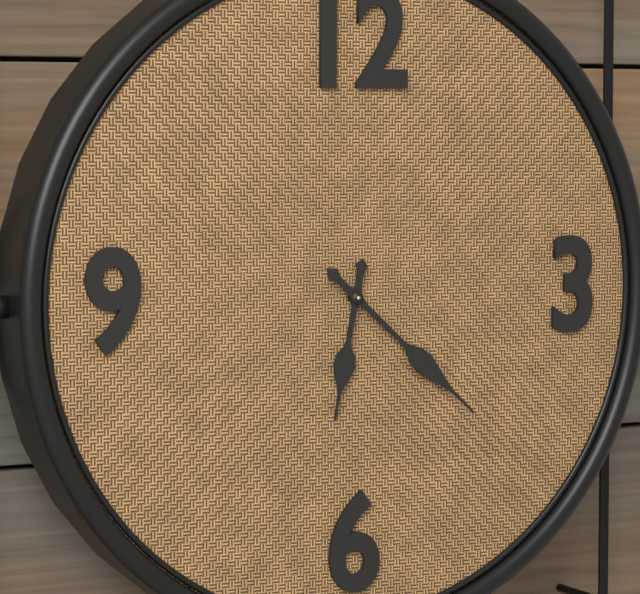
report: 6,22
